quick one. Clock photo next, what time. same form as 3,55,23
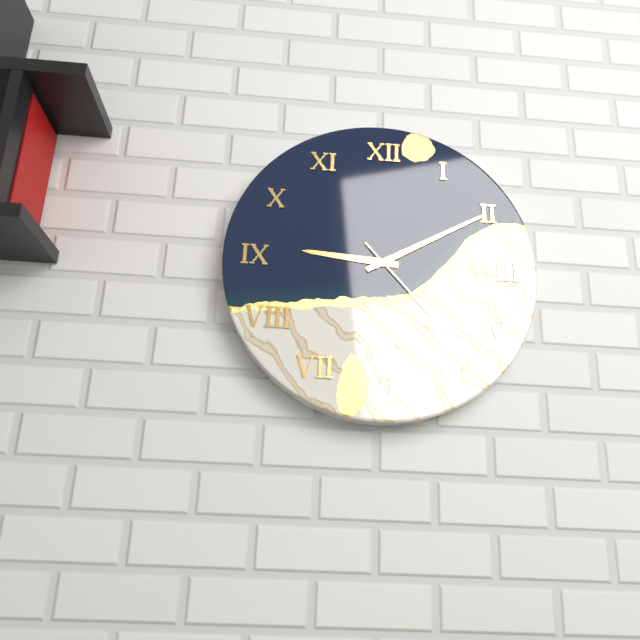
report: 9,10,23
